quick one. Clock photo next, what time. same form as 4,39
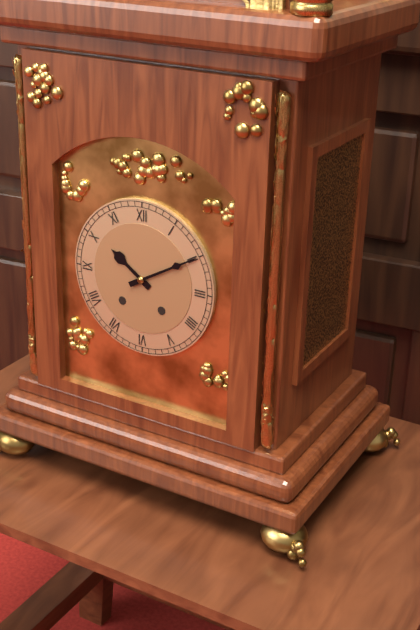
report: 10,10
